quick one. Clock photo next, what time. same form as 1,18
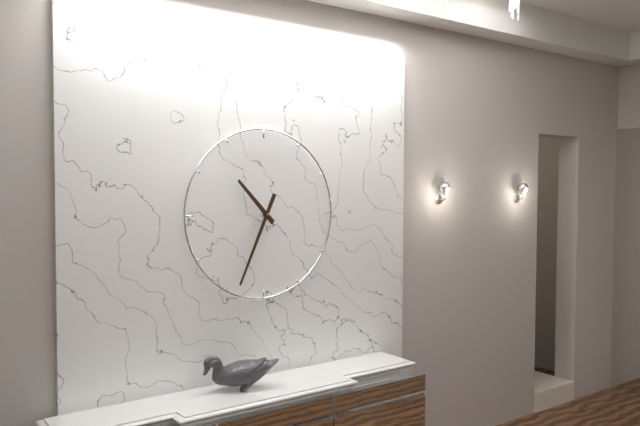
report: 10,34
